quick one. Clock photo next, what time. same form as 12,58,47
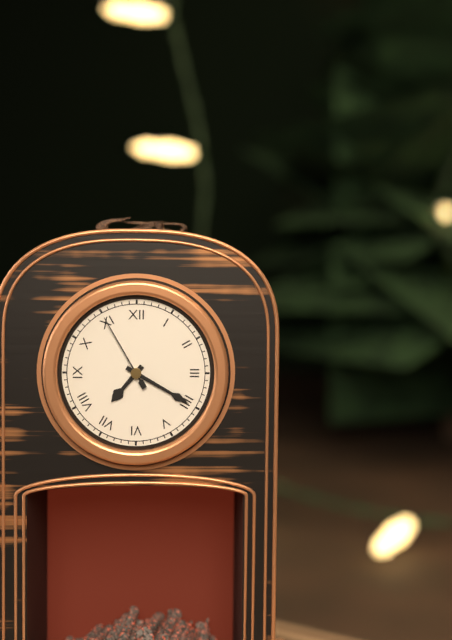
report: 7,20,55
